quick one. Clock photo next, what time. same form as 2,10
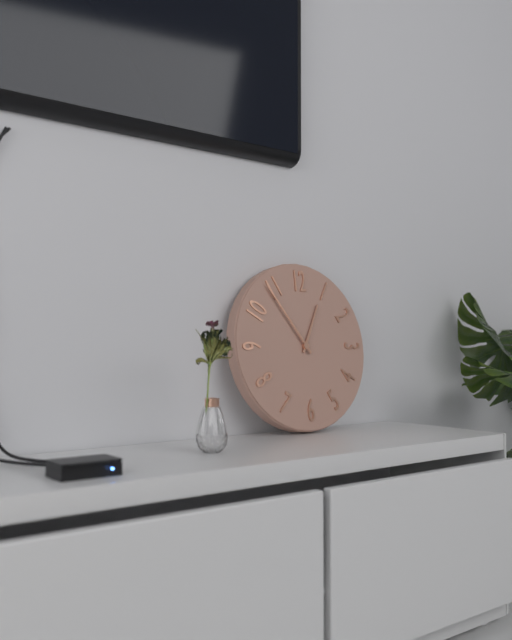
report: 12,54
